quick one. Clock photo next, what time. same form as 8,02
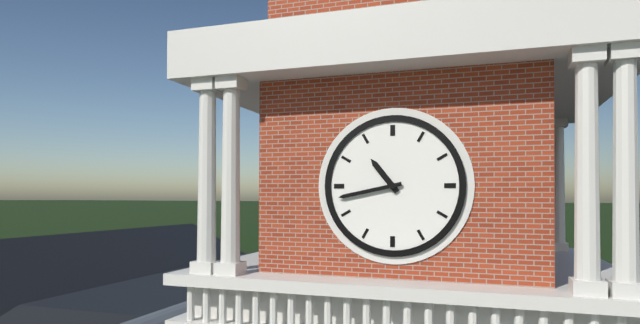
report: 10,43
